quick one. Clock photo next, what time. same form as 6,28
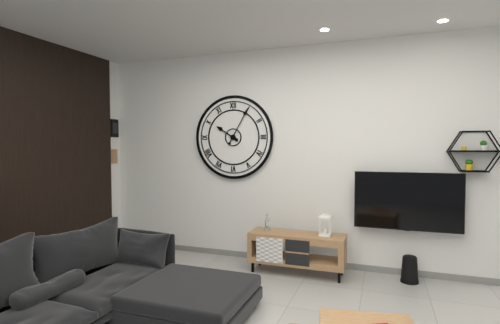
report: 10,05
